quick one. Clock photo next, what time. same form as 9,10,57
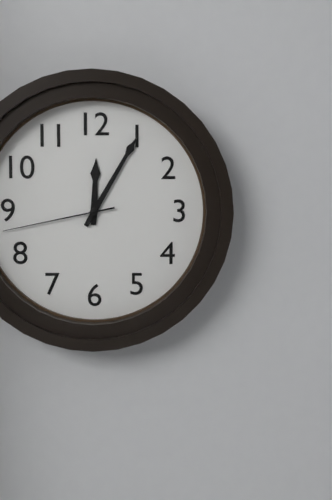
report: 12,05,43
